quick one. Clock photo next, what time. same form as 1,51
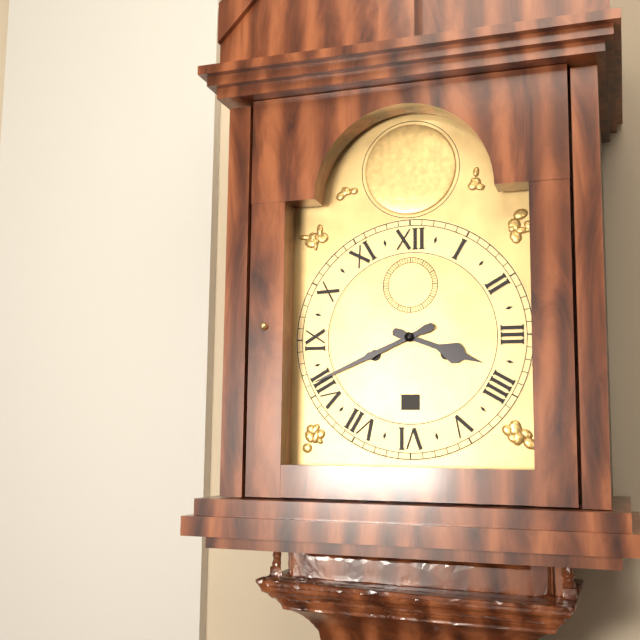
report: 3,41
